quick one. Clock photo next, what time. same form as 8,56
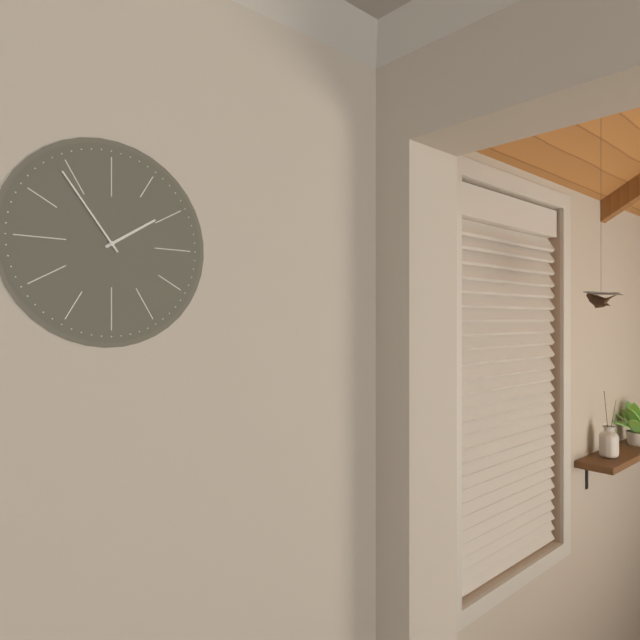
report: 1,54
